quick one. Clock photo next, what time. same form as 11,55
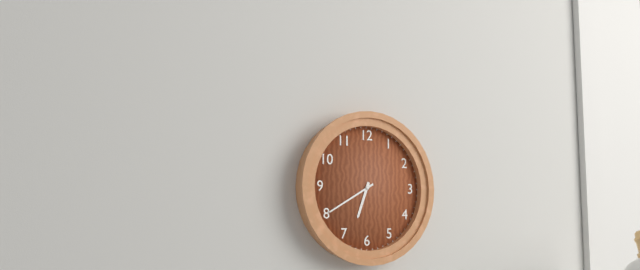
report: 6,40
